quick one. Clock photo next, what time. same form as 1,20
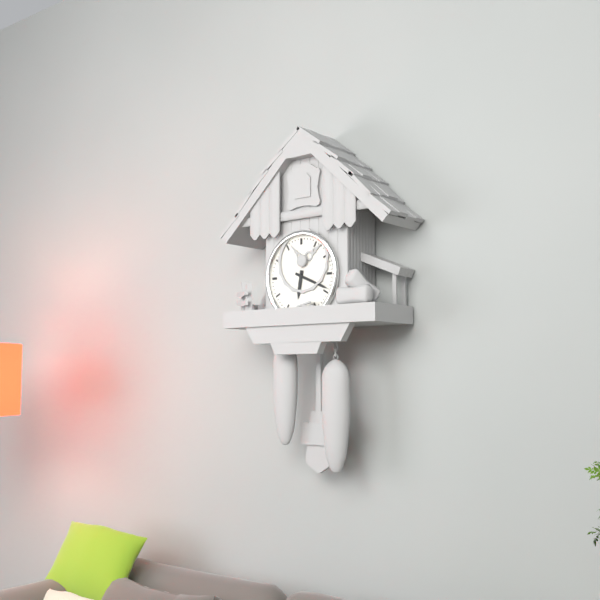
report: 6,19
